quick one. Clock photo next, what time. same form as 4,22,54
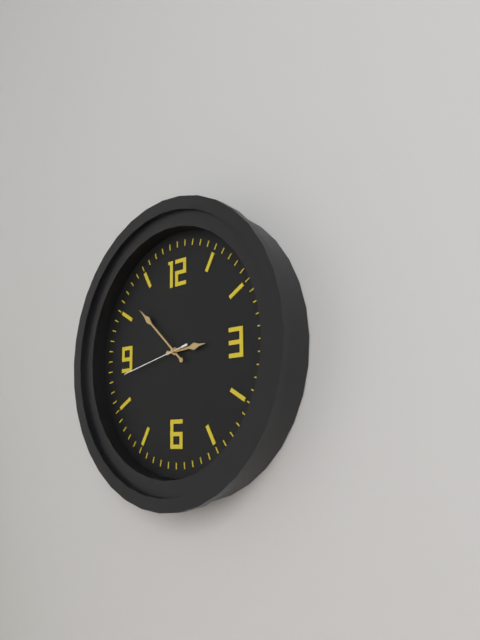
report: 2,52,43
